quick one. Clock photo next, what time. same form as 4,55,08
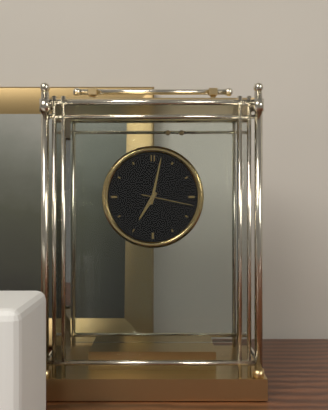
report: 7,02,17
